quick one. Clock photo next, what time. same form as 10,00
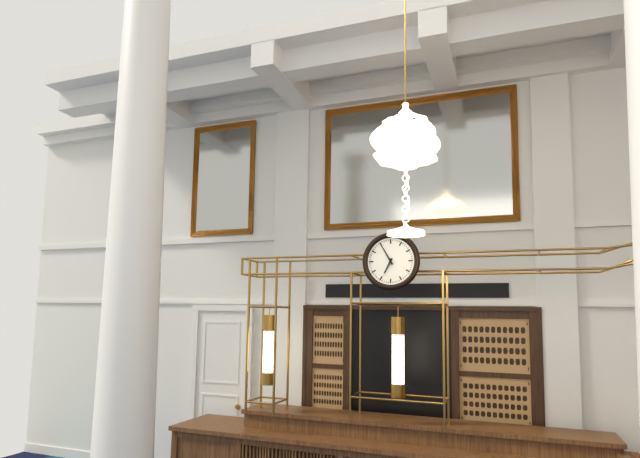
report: 6,55
